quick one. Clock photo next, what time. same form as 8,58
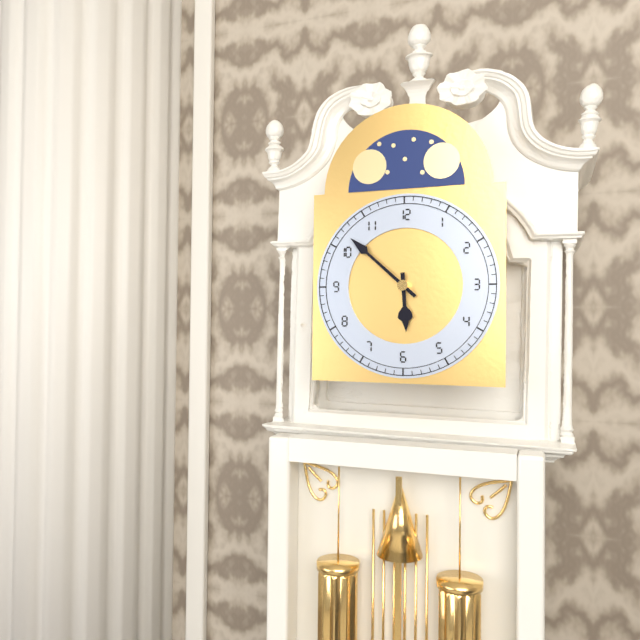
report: 5,52
